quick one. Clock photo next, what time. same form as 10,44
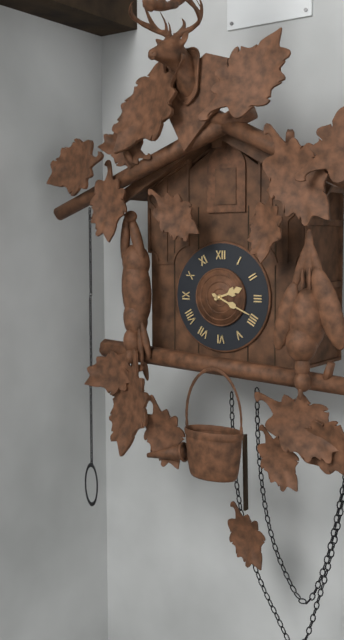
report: 2,19
